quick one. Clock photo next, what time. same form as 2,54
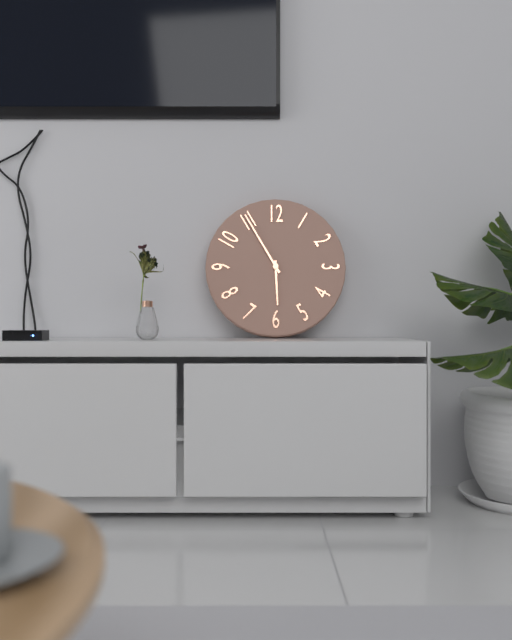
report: 5,55
